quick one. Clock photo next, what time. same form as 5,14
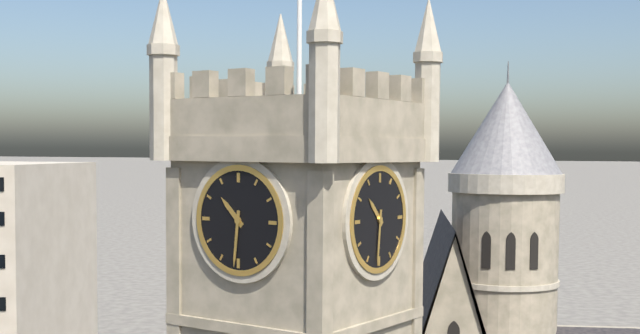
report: 10,31
